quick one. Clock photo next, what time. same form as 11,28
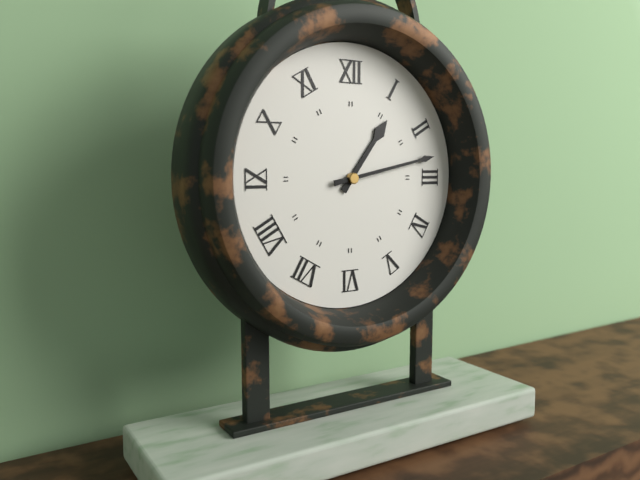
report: 1,13
